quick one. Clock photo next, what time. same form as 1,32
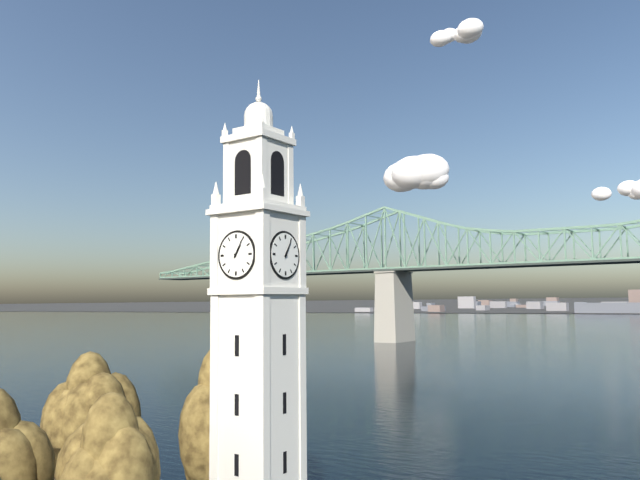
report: 1,05
